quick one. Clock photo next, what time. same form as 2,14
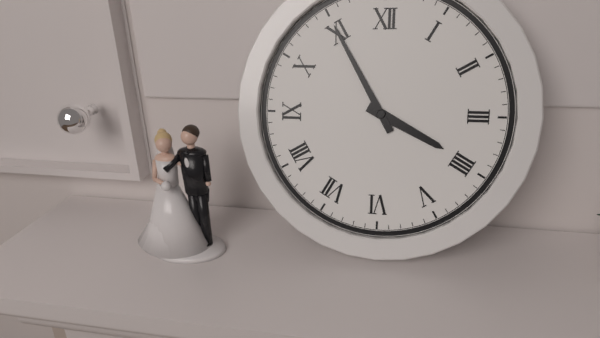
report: 3,55
